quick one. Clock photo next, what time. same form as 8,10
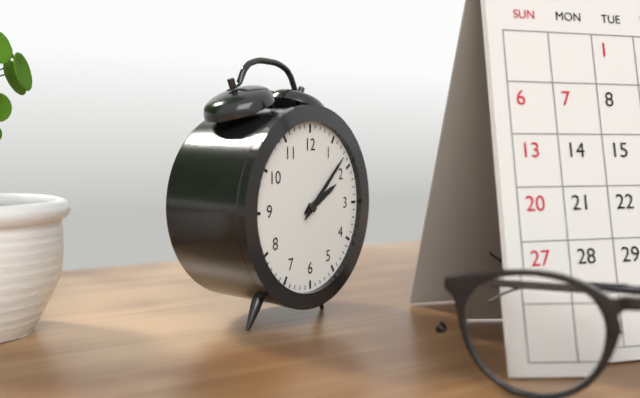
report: 2,08
